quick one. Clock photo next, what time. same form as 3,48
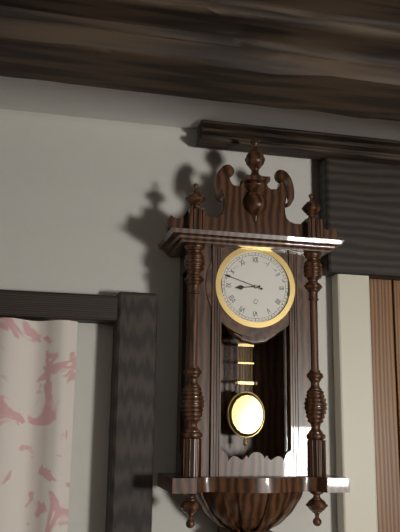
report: 8,48
